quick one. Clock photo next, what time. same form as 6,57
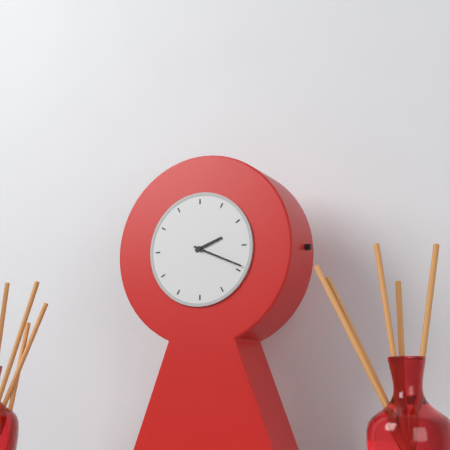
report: 2,19
